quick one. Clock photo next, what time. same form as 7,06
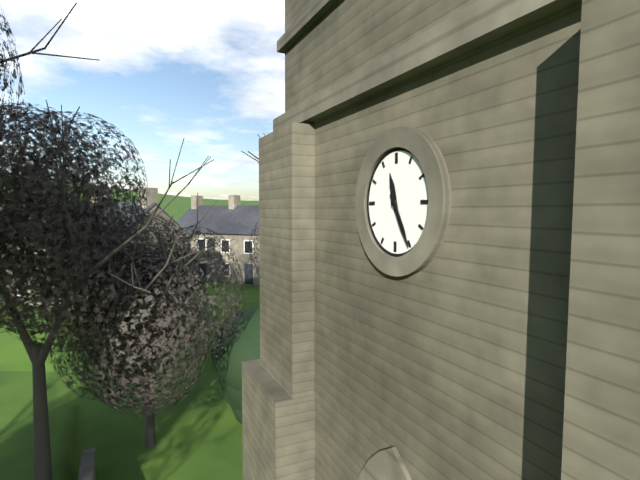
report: 11,25
